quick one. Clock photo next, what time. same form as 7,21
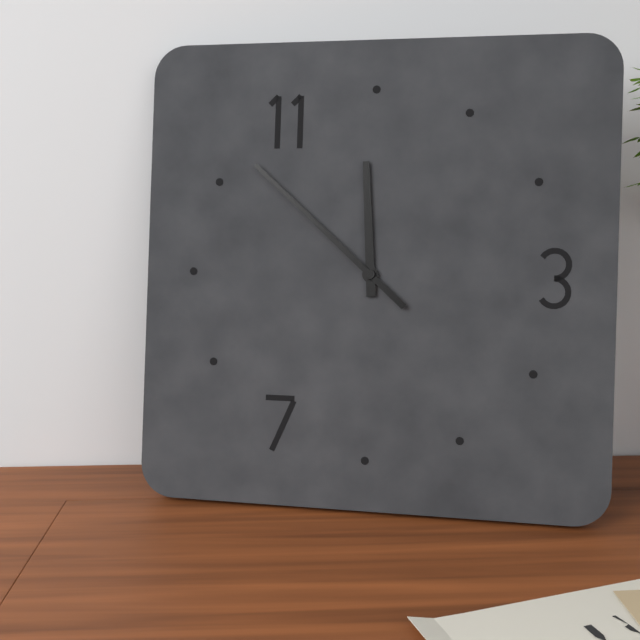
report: 11,52
